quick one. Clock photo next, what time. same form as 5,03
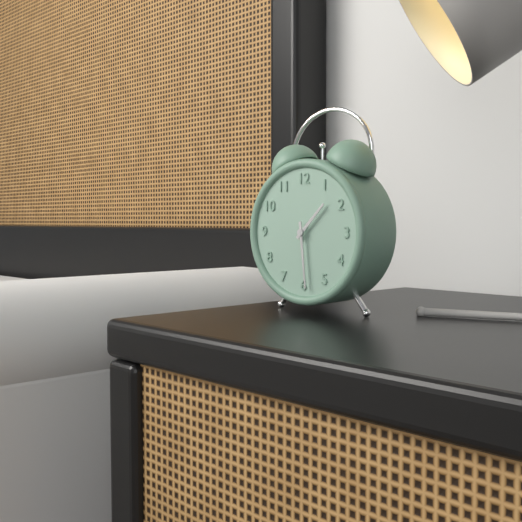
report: 1,29
